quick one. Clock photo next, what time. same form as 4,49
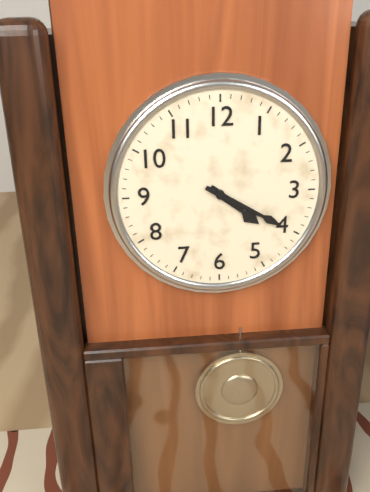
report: 4,20
